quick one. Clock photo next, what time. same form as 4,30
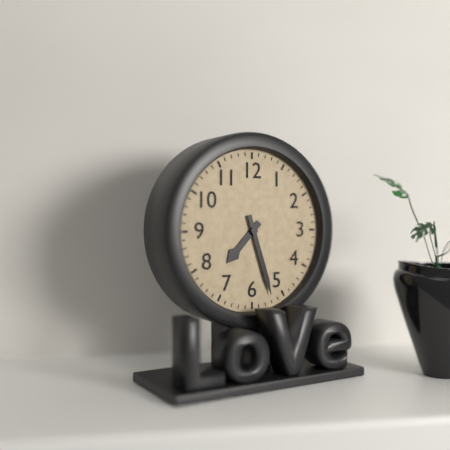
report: 7,27
